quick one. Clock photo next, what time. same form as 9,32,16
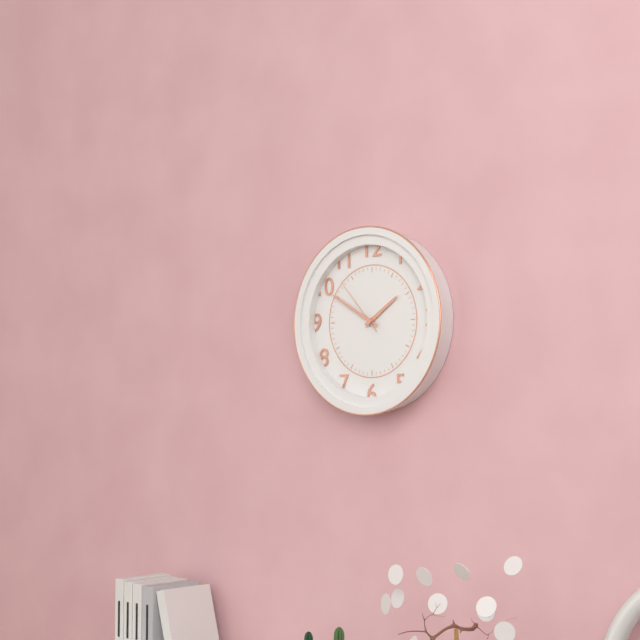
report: 1,50,53
